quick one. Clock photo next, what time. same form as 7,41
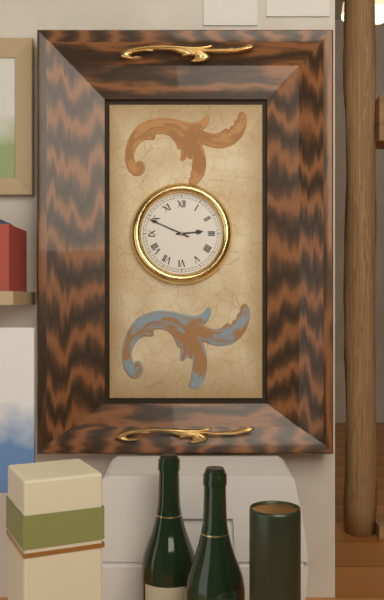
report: 2,49
